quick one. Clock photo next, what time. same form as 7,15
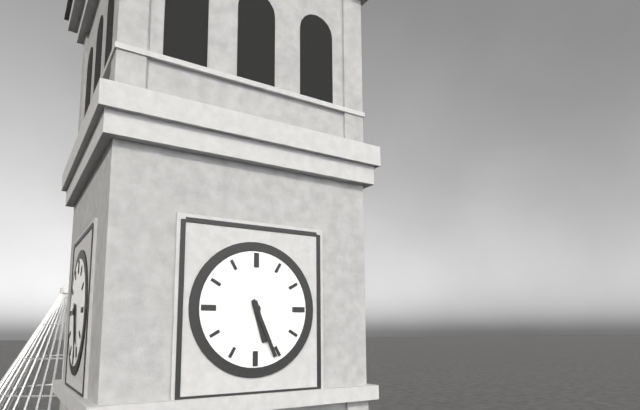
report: 5,26
